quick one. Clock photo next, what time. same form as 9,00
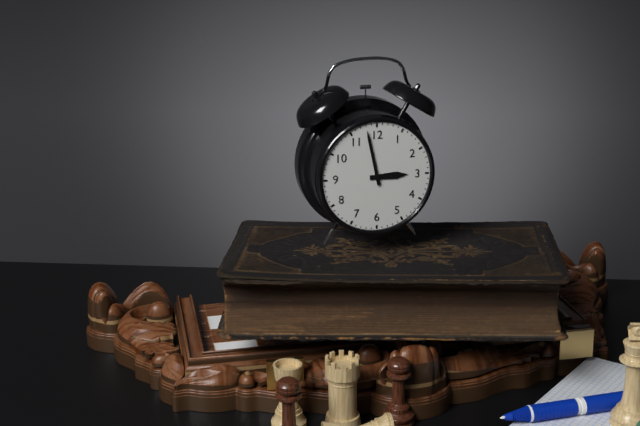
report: 2,58
